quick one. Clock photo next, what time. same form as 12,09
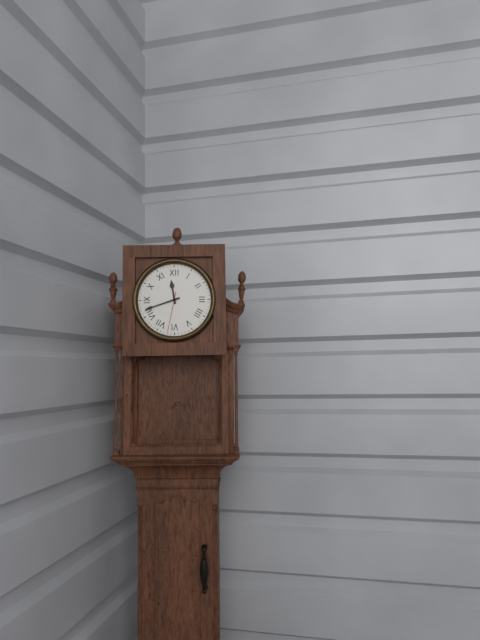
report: 11,42
